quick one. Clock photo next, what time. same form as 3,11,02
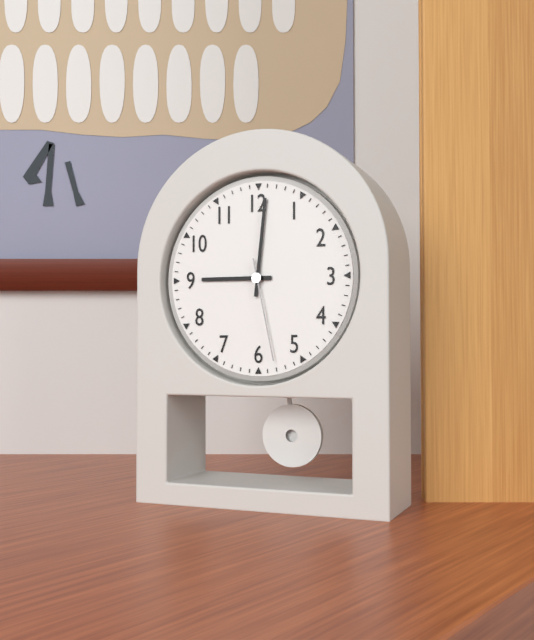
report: 9,01,28
